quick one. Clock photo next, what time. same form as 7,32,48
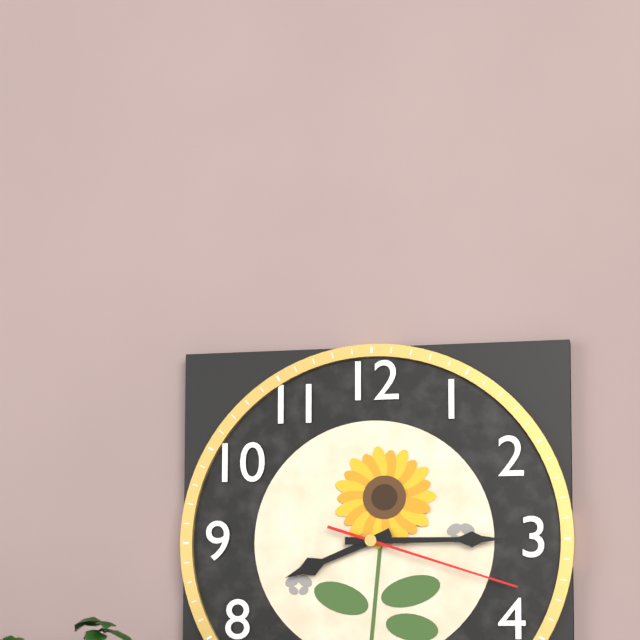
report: 8,15,18
